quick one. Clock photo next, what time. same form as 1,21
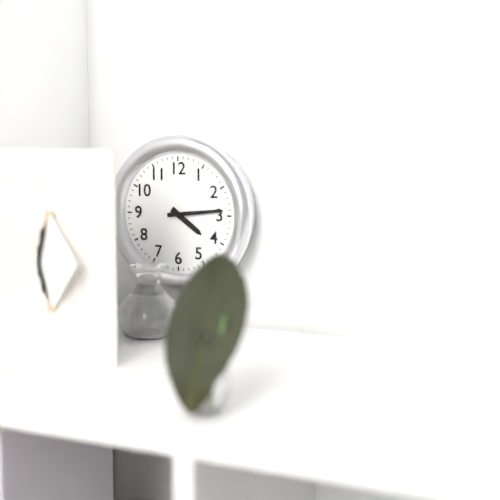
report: 4,14
